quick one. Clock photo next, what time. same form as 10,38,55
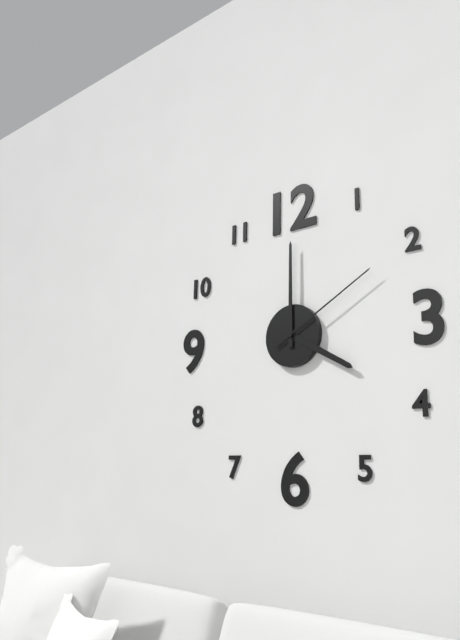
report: 4,00,10
